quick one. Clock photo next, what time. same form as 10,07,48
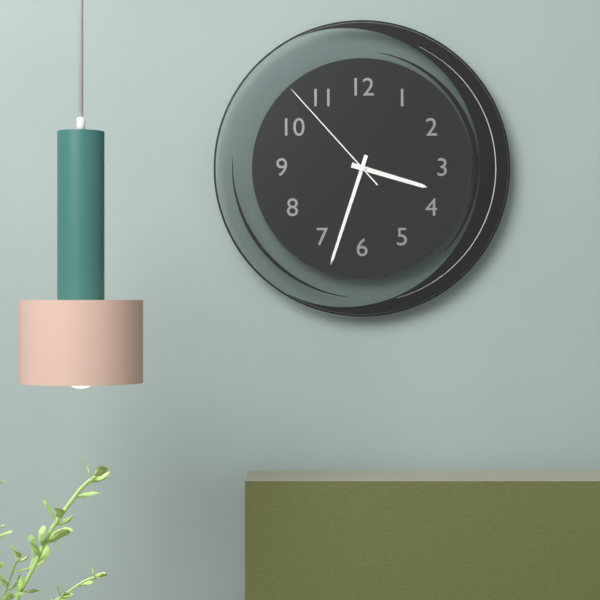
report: 3,33,53
